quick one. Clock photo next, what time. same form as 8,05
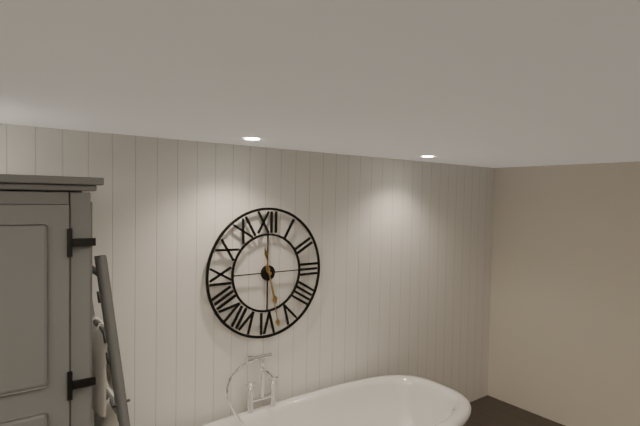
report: 5,28
